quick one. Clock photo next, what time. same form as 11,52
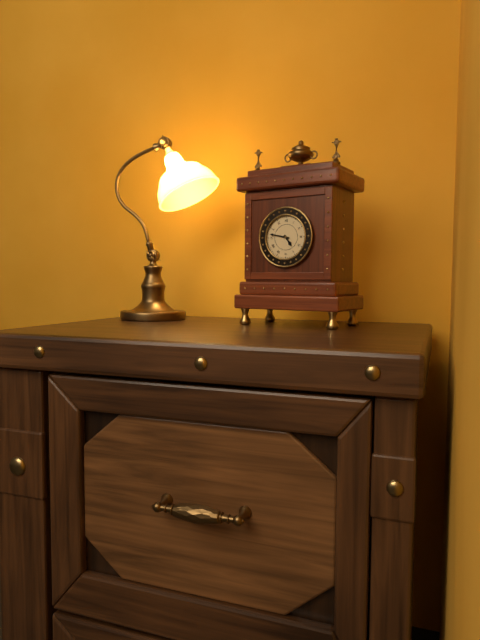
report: 4,47
